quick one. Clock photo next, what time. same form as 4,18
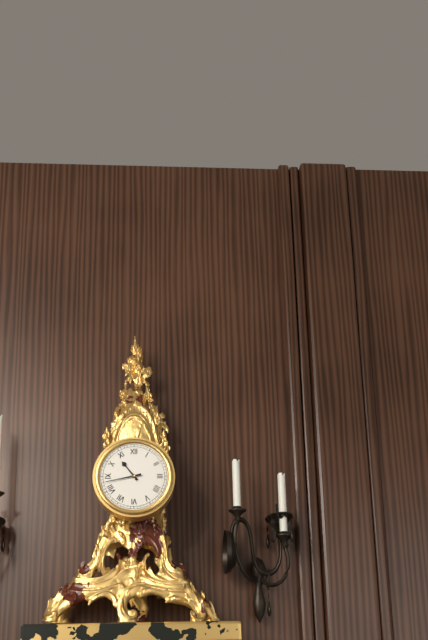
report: 10,43
